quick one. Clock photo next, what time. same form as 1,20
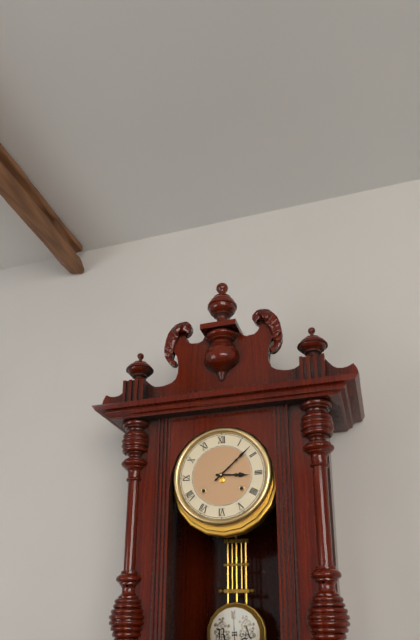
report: 3,08
